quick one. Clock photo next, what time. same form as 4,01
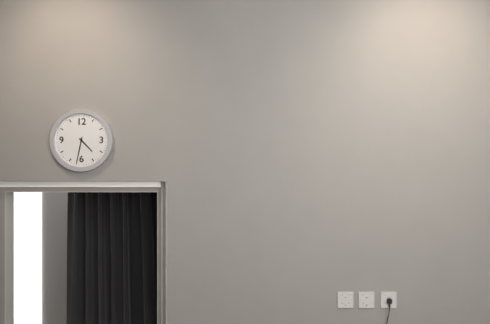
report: 4,32
